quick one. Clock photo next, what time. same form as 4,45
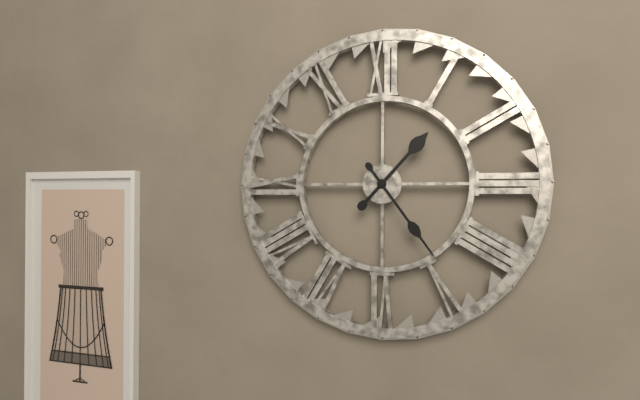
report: 1,24
